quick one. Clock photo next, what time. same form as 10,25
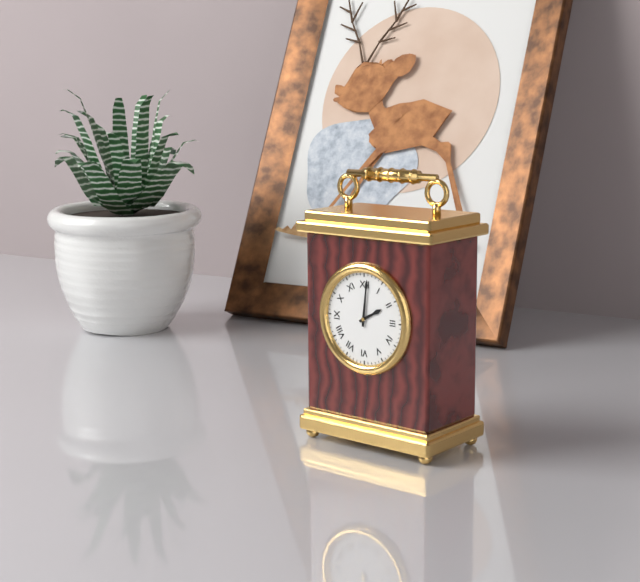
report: 2,01
